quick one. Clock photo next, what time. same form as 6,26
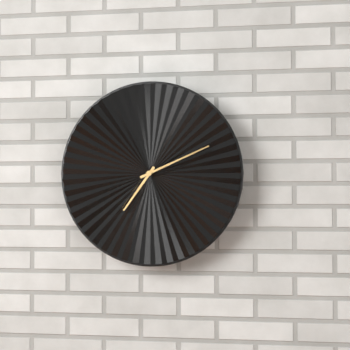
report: 7,11
